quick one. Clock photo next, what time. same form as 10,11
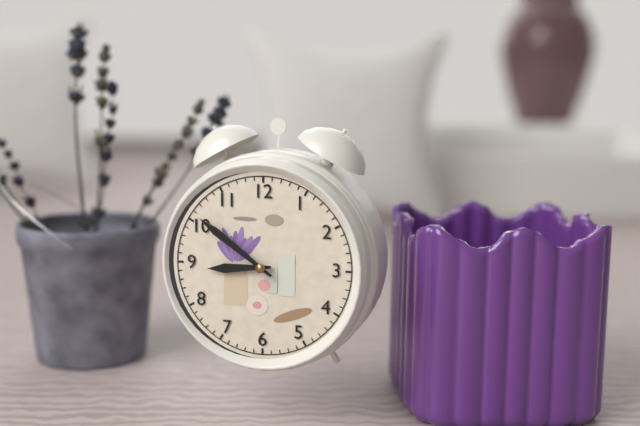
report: 8,51
